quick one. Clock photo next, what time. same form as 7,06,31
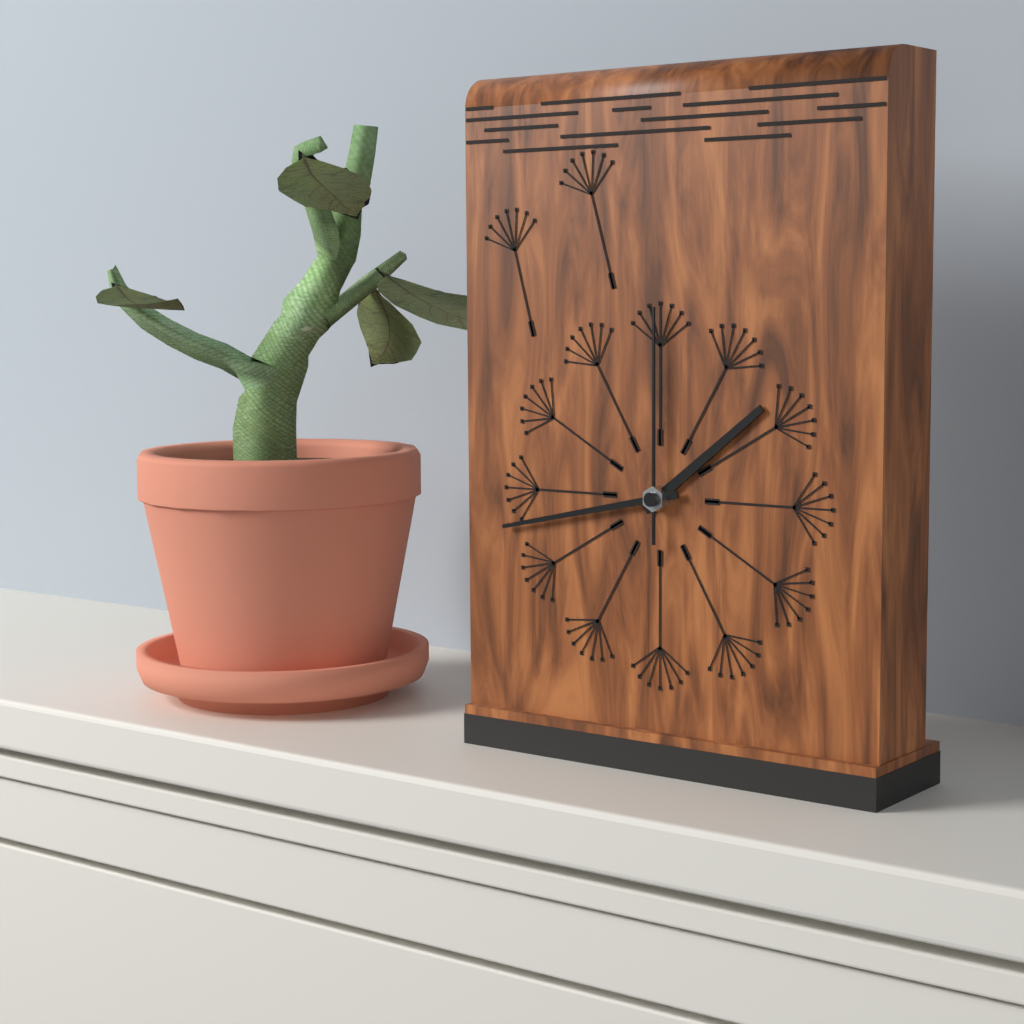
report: 1,43,00
